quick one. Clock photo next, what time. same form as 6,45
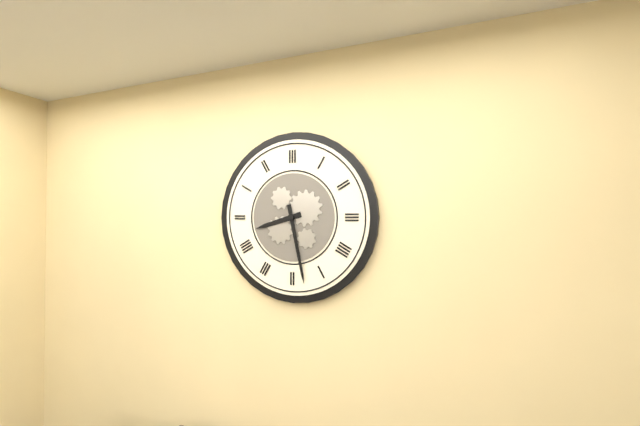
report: 8,28
